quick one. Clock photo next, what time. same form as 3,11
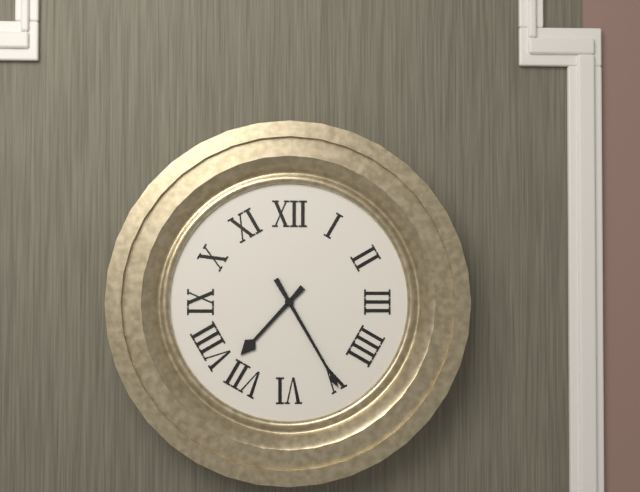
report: 7,25
